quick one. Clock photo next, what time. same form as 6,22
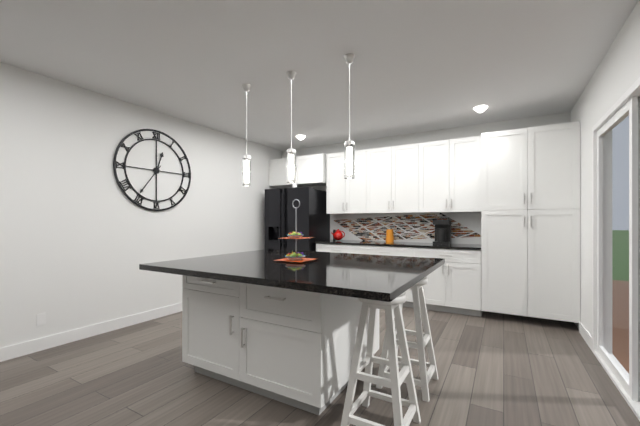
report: 12,36
